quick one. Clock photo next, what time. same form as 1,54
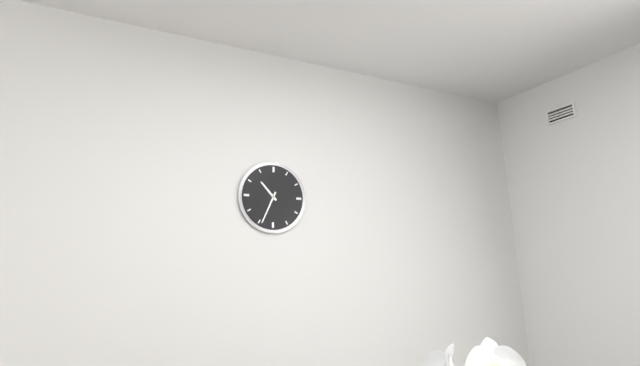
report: 10,34
